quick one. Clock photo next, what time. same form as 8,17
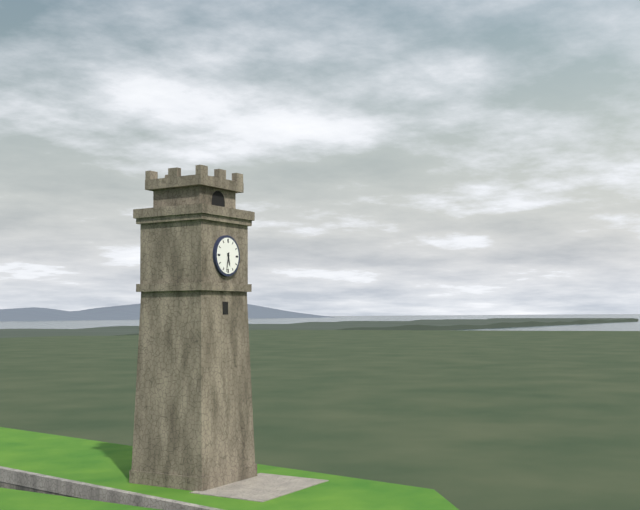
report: 5,32
